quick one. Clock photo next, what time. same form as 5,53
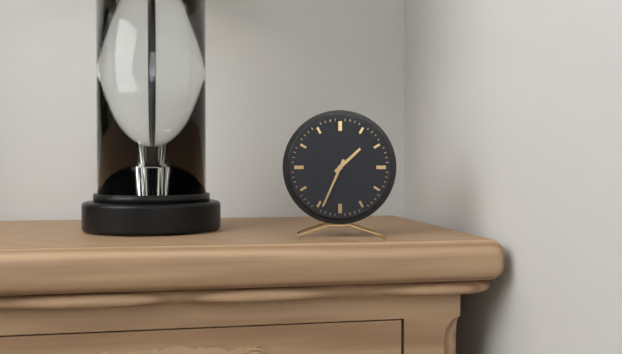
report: 1,34
